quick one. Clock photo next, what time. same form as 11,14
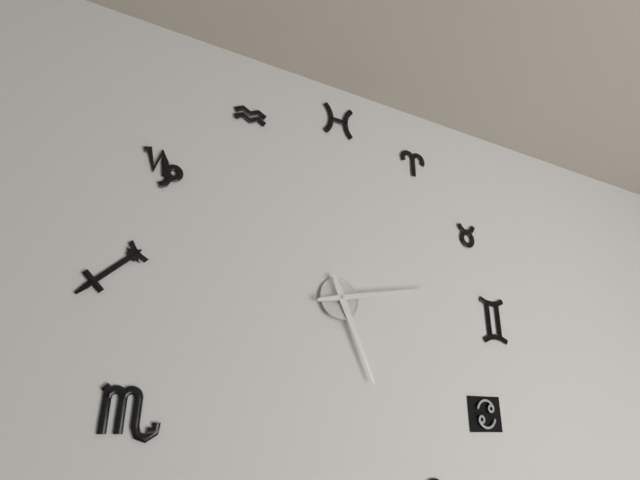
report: 5,13
